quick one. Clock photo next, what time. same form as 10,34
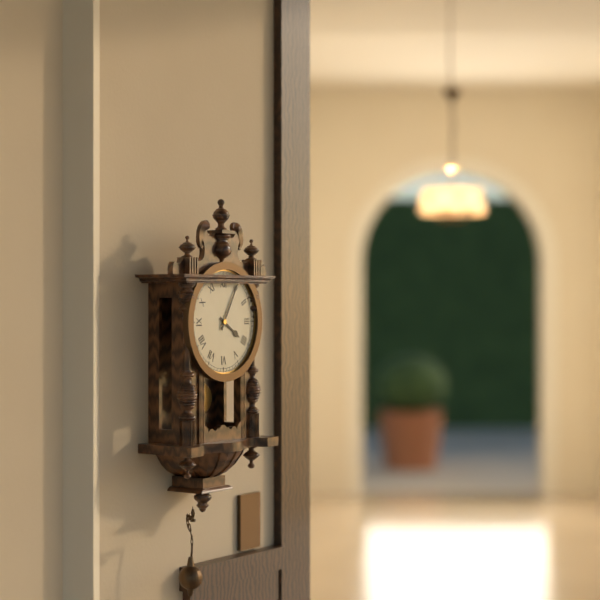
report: 4,05
